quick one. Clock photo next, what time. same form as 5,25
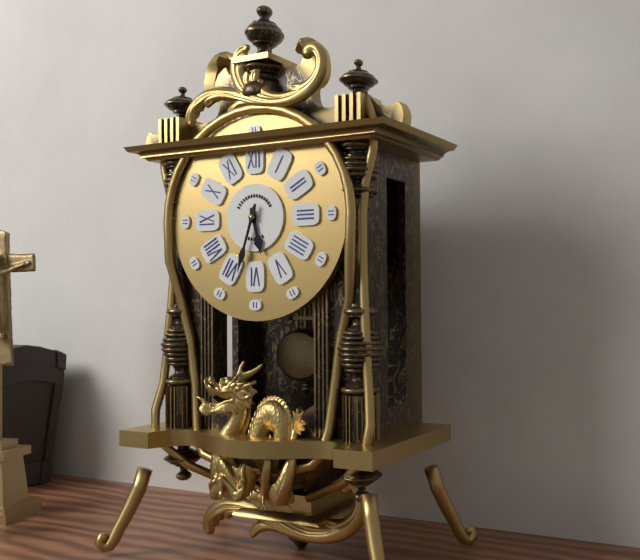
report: 5,33
